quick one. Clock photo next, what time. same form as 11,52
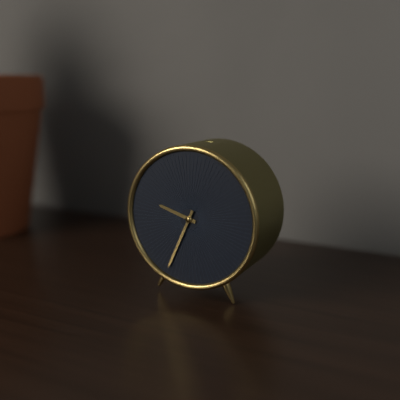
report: 9,34
